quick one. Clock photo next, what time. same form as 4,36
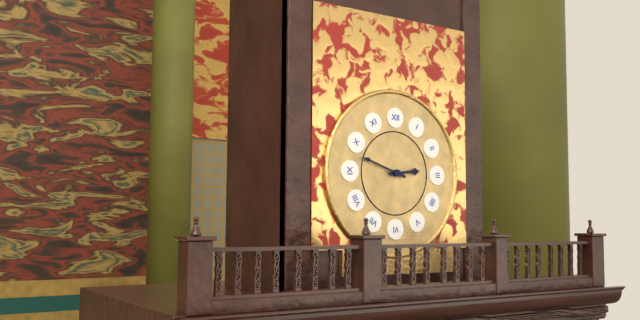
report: 2,48
